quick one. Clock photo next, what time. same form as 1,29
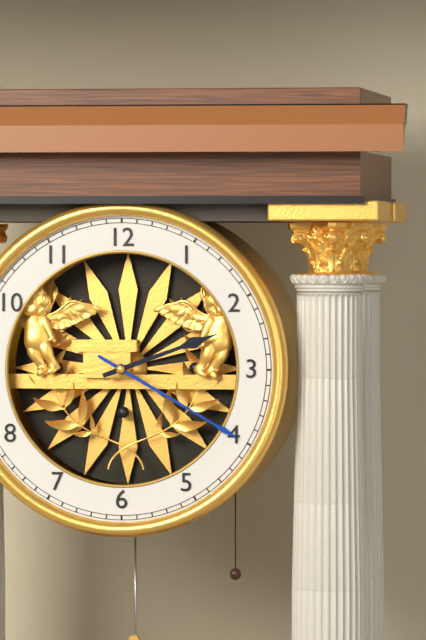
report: 2,20
